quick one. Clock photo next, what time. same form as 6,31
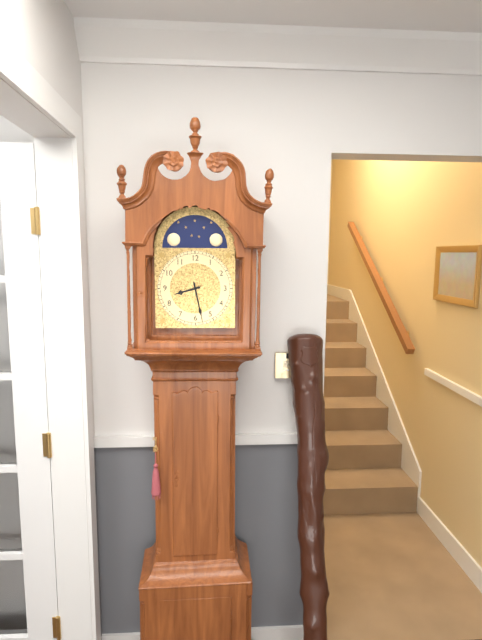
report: 8,28
